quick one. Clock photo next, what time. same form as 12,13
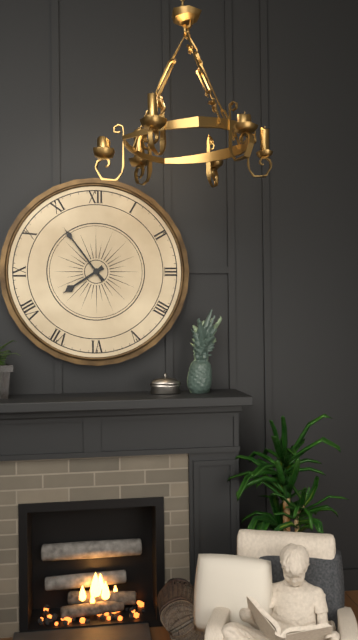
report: 7,54
